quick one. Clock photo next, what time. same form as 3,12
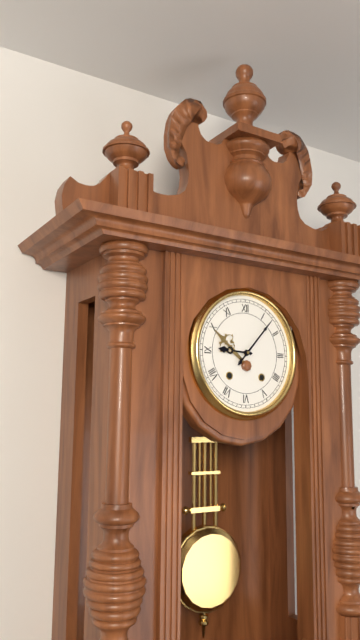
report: 9,07
